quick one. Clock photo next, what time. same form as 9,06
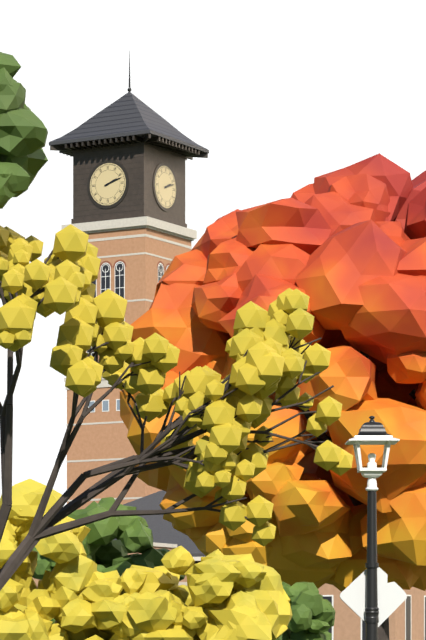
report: 2,12
